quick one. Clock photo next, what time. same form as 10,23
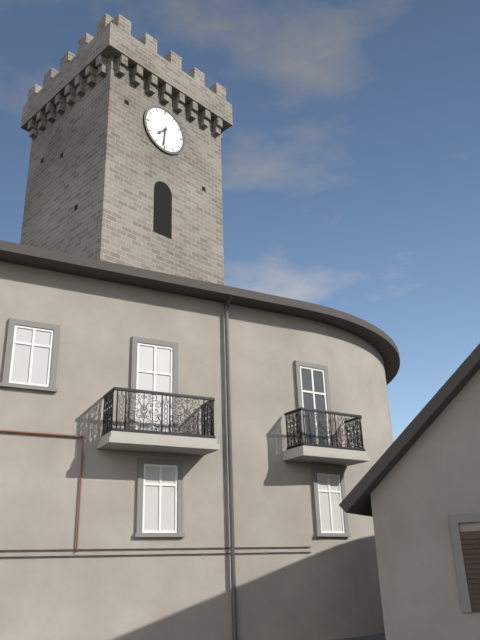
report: 7,31
